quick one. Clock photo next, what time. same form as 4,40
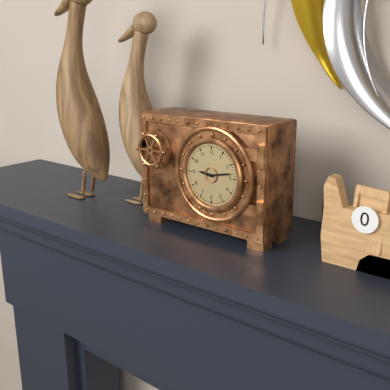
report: 9,13
